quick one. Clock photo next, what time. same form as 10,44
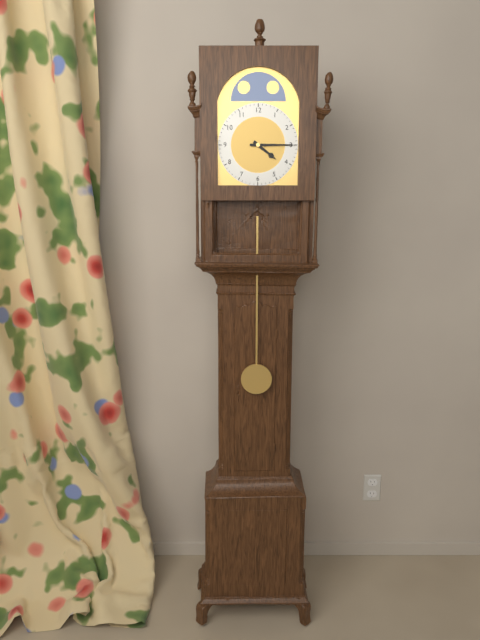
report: 4,15
